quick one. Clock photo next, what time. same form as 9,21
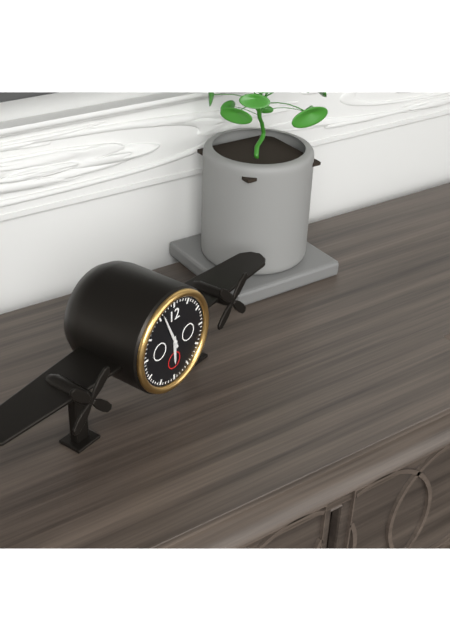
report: 5,56
